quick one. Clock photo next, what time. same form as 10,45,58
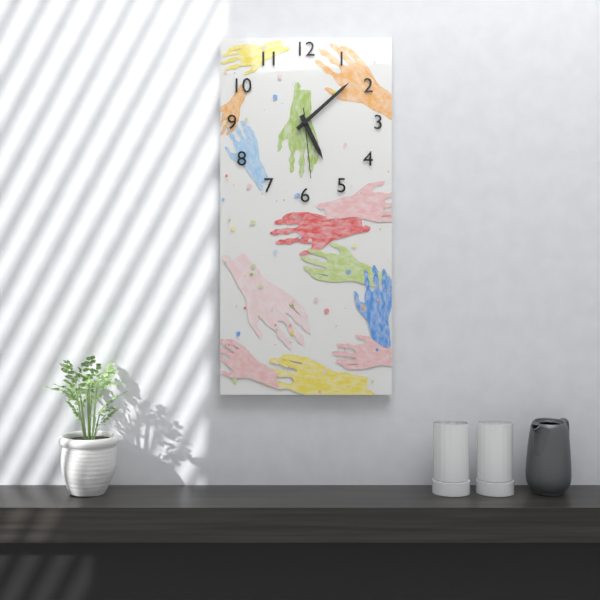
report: 5,08,29
